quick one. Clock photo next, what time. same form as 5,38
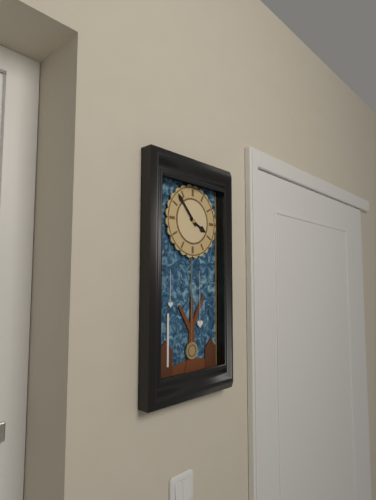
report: 3,53
